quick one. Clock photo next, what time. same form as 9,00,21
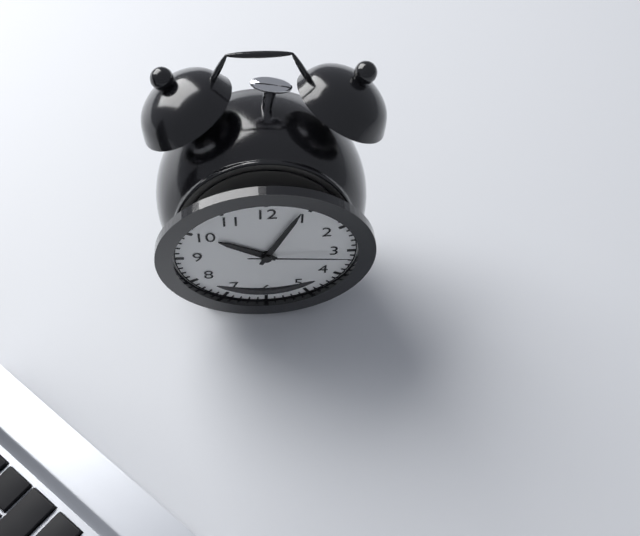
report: 10,04,16
